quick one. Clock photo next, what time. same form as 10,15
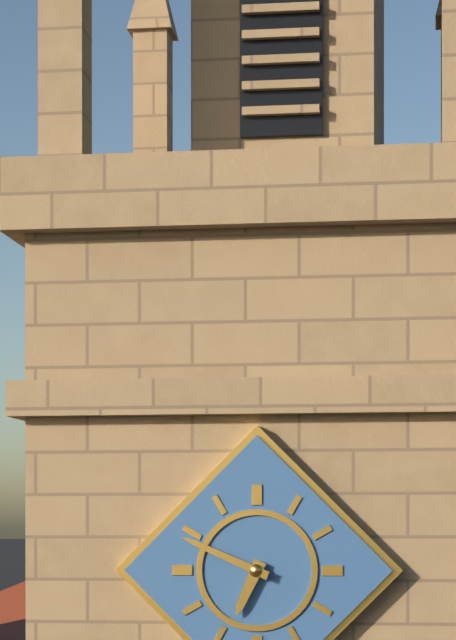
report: 6,49
